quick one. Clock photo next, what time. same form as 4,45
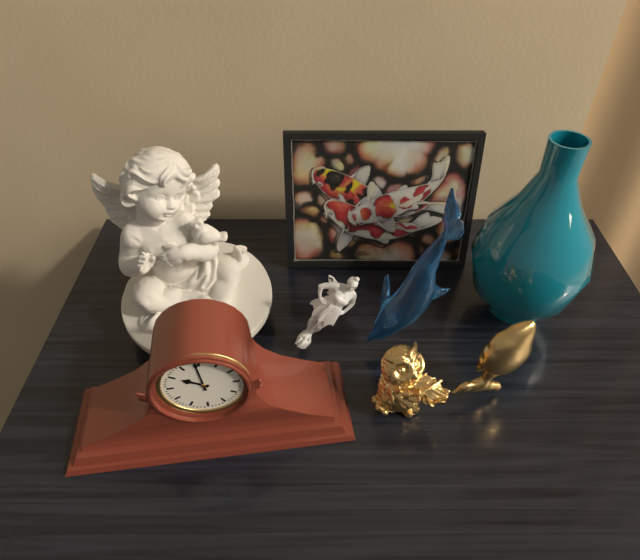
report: 9,59
